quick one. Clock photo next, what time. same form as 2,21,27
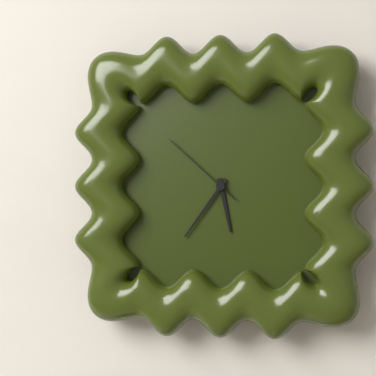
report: 5,36,52
